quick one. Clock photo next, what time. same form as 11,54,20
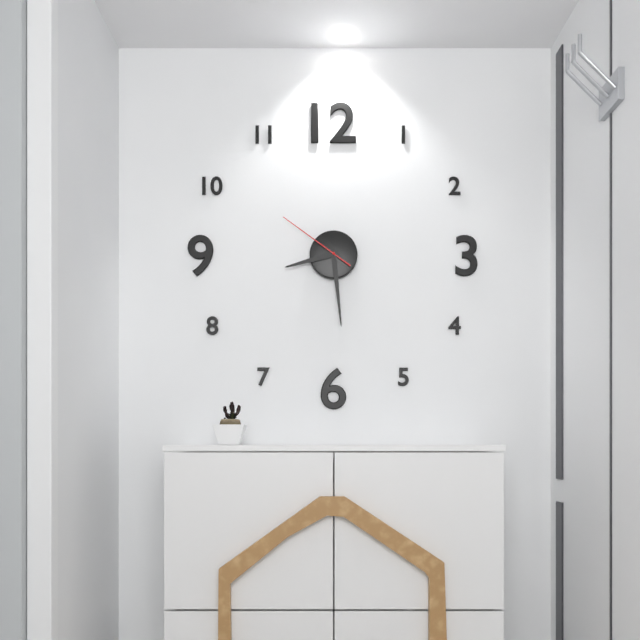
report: 8,29,51
